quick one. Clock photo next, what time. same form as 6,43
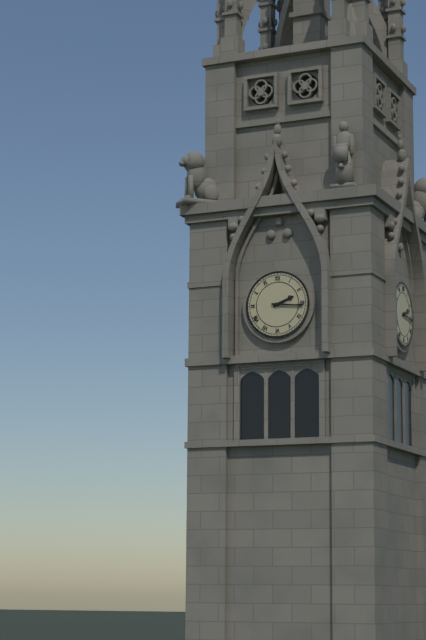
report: 2,16
